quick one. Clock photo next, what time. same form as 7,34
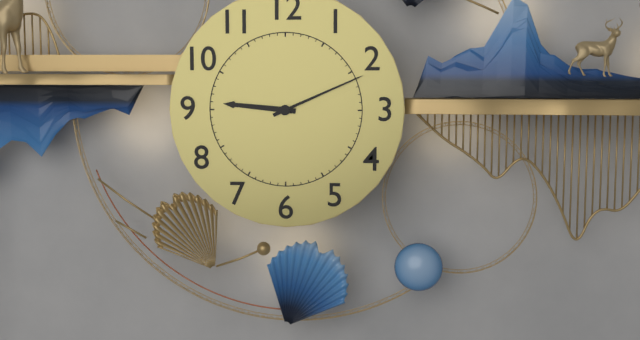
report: 9,11
